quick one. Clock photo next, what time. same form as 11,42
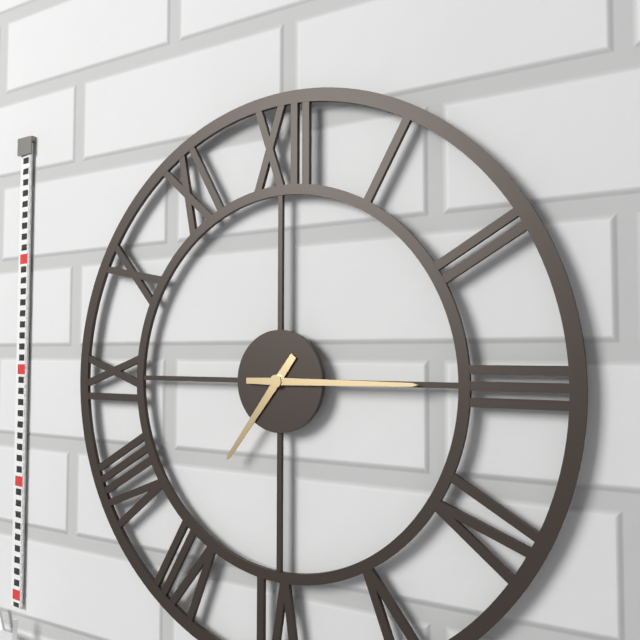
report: 7,15
